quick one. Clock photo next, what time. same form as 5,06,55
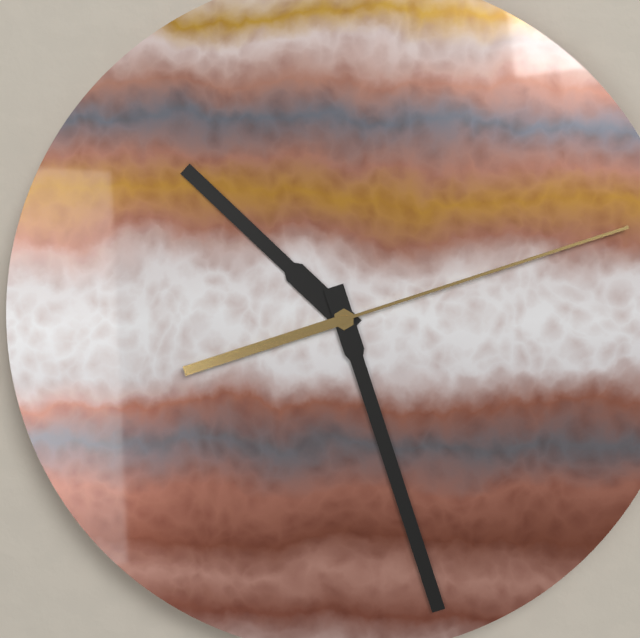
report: 10,27,12
